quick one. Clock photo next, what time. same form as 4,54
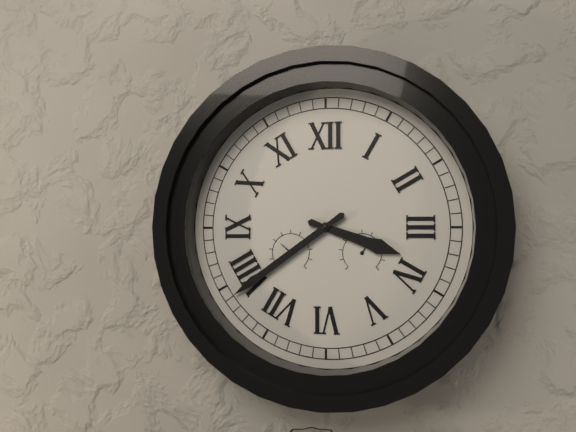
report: 3,39
